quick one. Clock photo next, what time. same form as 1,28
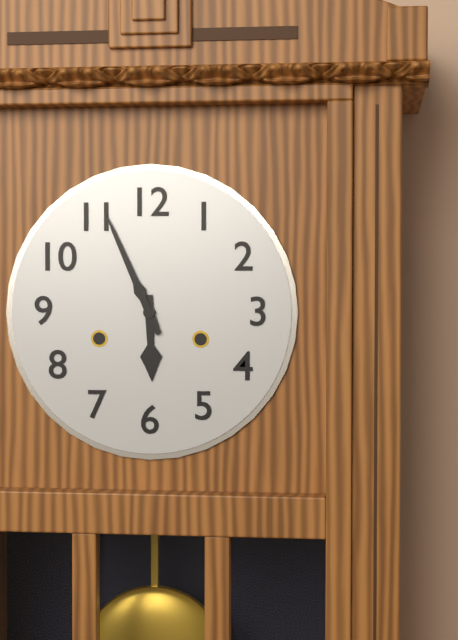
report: 5,56
